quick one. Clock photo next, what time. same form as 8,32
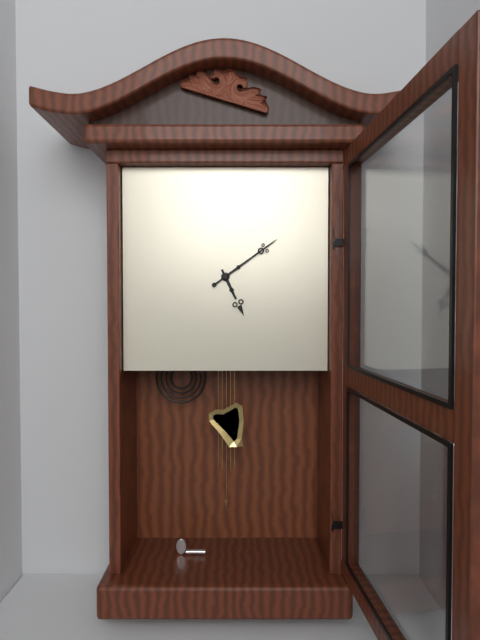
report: 5,09
